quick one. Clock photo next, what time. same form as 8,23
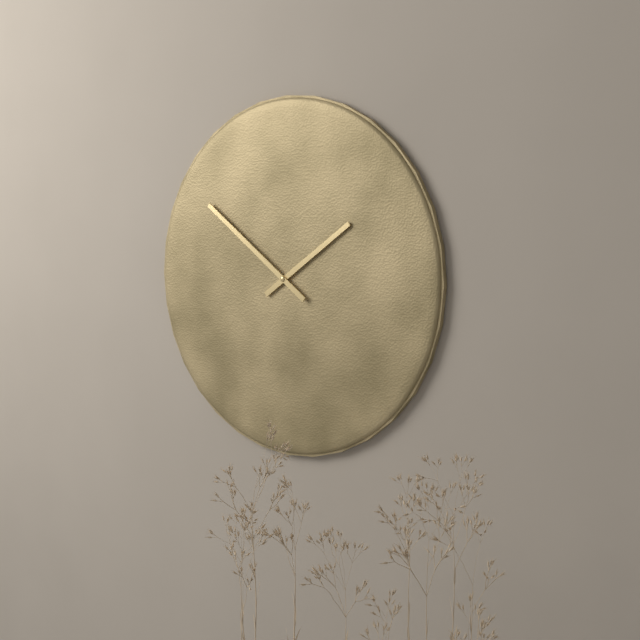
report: 1,51
